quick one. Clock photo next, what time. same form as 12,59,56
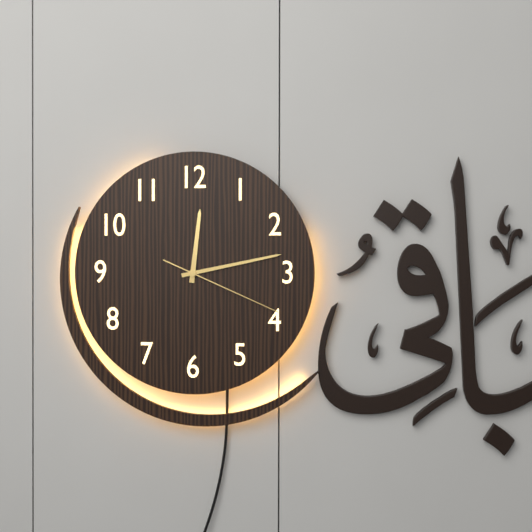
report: 12,13,19
